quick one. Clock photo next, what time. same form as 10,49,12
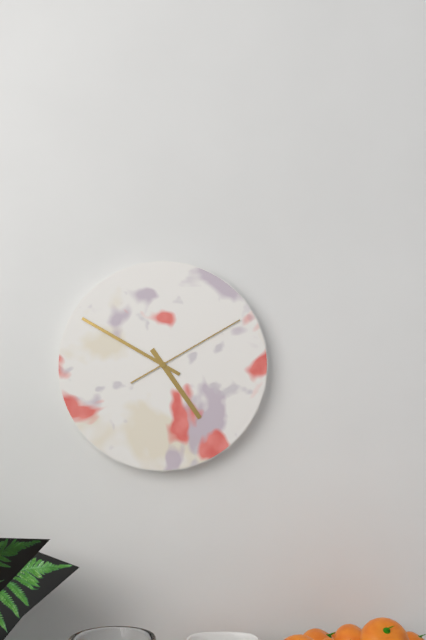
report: 4,50,10
